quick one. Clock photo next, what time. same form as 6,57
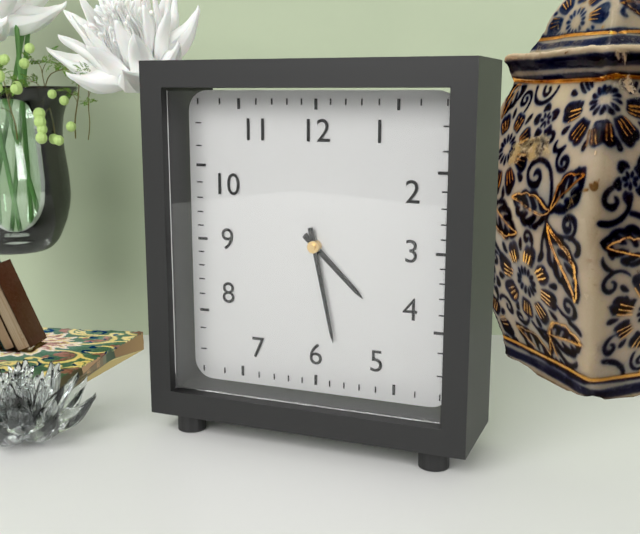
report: 4,28
